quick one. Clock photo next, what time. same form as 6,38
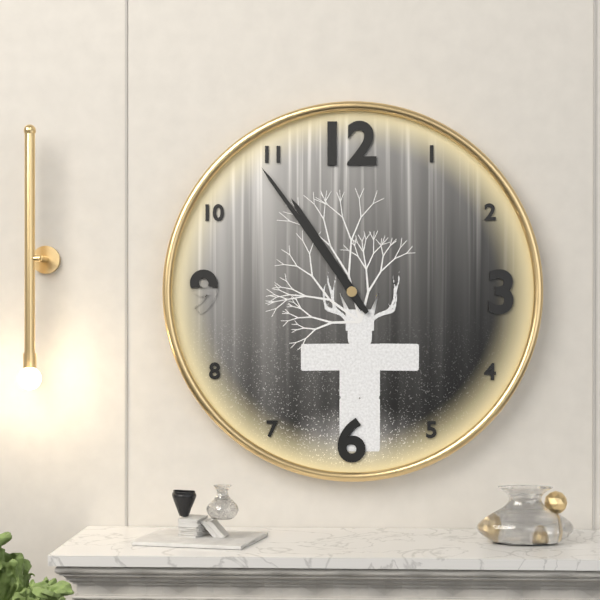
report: 10,54
